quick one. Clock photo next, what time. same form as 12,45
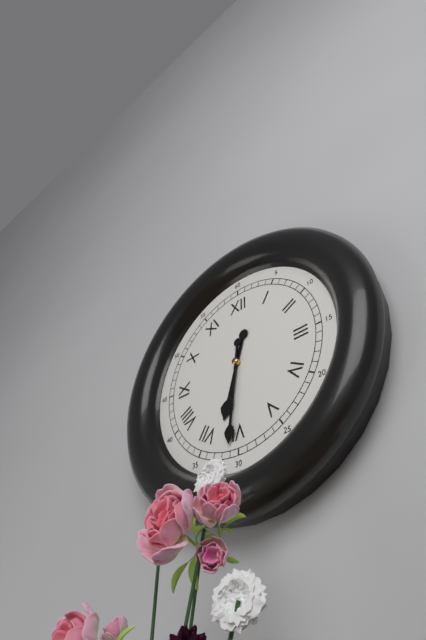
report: 6,31
